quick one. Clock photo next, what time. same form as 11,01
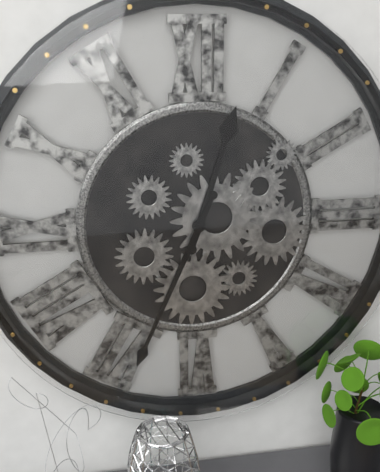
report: 12,34
